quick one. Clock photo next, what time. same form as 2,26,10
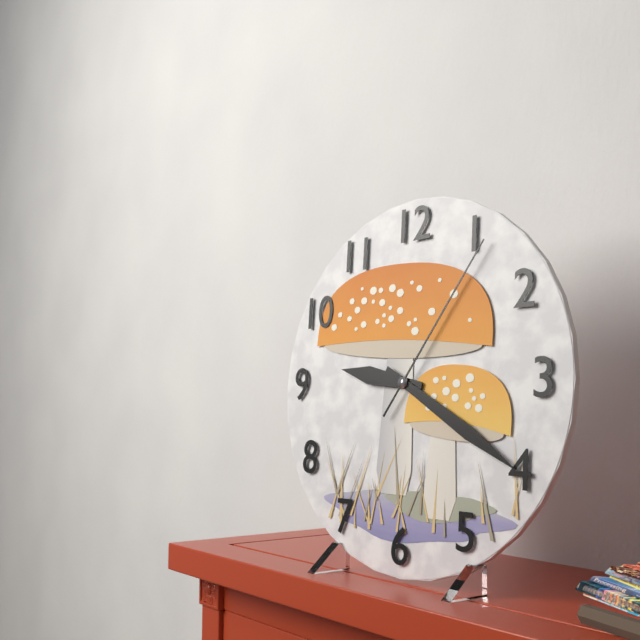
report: 9,20,06
